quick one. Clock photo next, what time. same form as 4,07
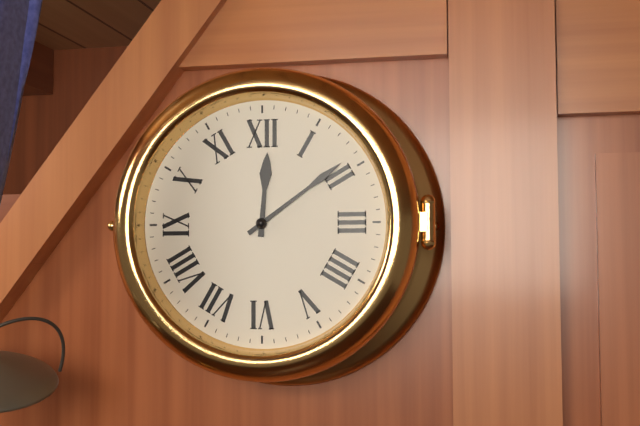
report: 12,09
